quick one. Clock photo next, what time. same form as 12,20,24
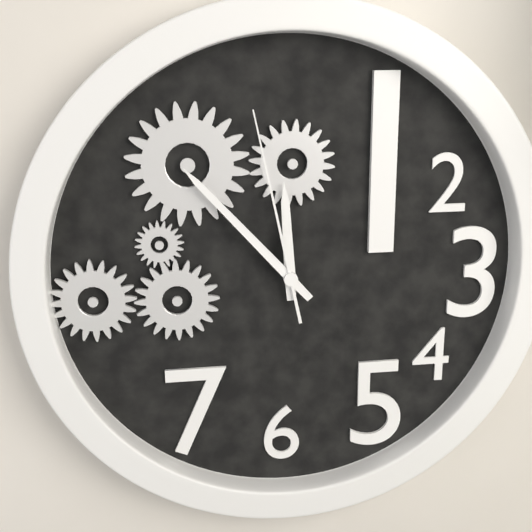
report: 11,53,58
